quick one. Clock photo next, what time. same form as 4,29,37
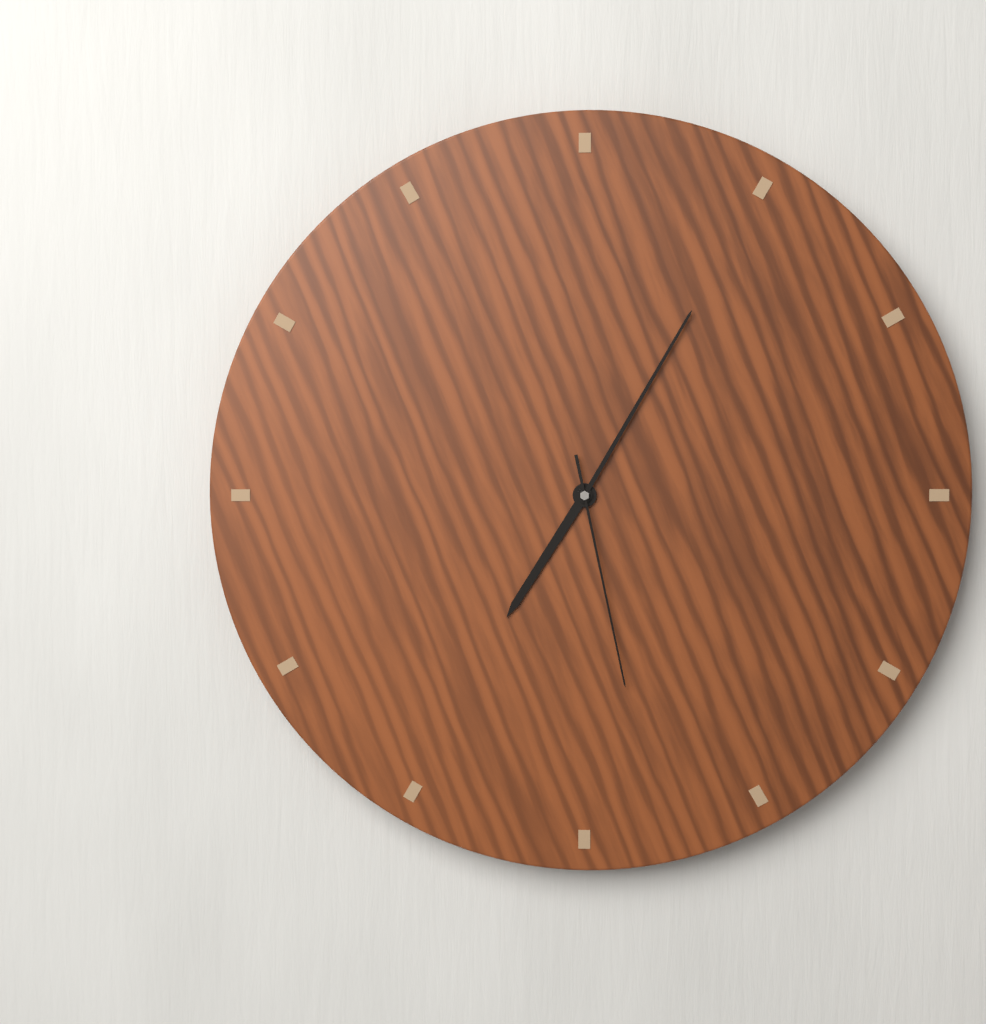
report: 7,05,28
